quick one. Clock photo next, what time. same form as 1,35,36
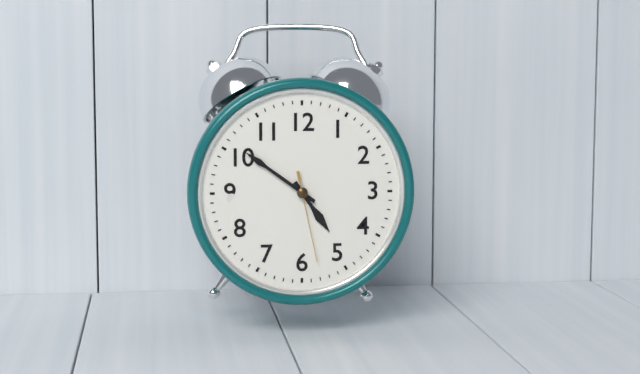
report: 4,51,28
